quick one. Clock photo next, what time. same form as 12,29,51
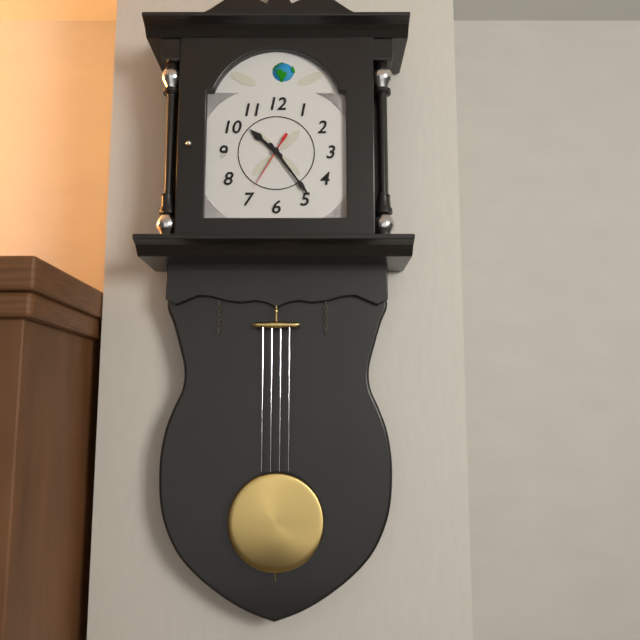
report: 10,24,35
